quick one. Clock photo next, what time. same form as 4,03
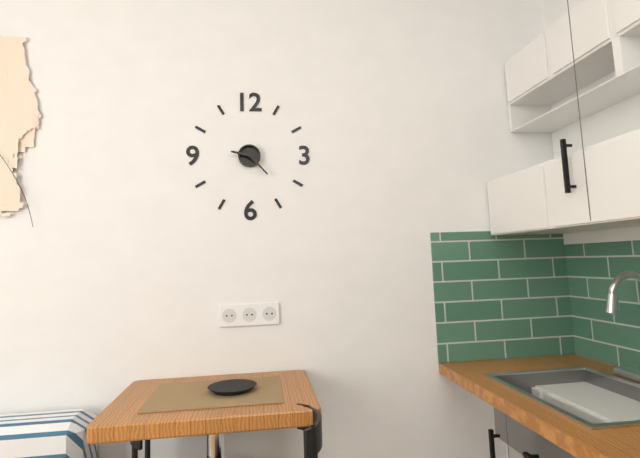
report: 9,23
